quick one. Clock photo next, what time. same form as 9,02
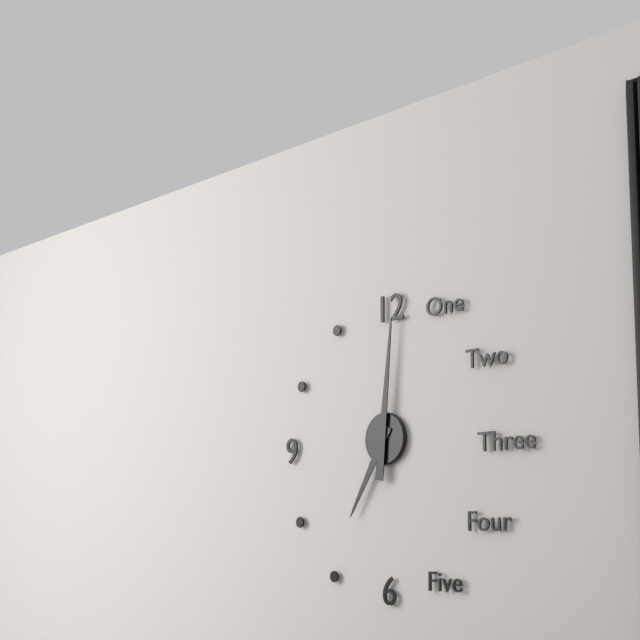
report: 7,01
